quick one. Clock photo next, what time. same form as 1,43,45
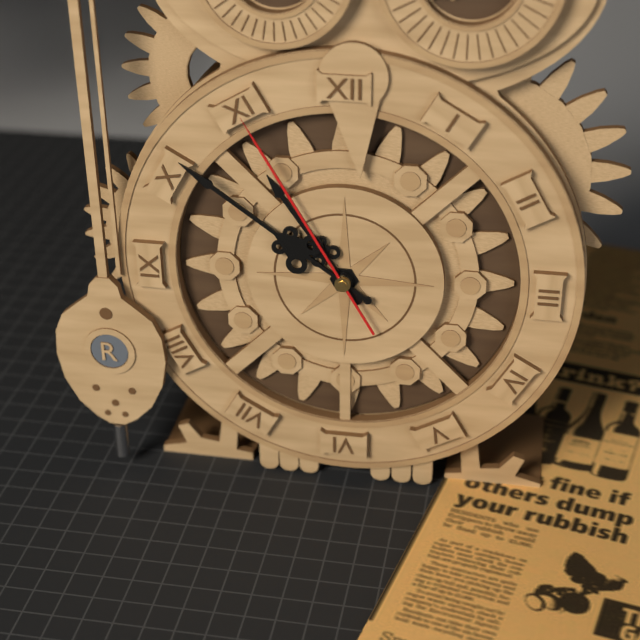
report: 10,51,55
